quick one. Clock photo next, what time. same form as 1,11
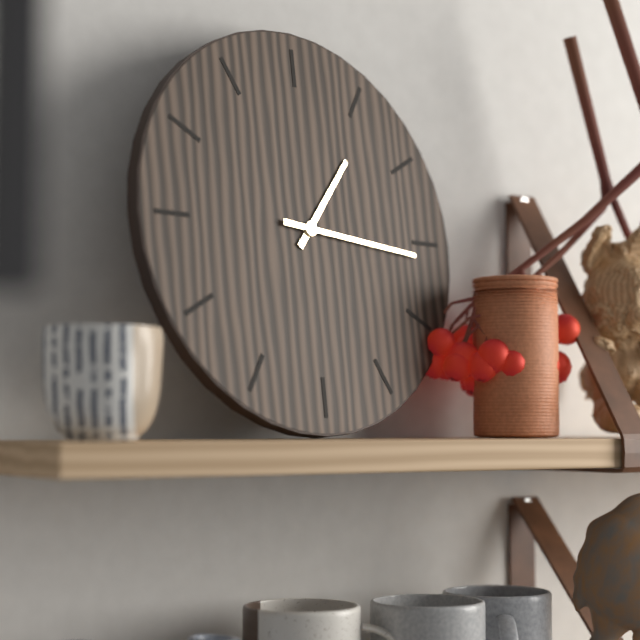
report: 1,16
